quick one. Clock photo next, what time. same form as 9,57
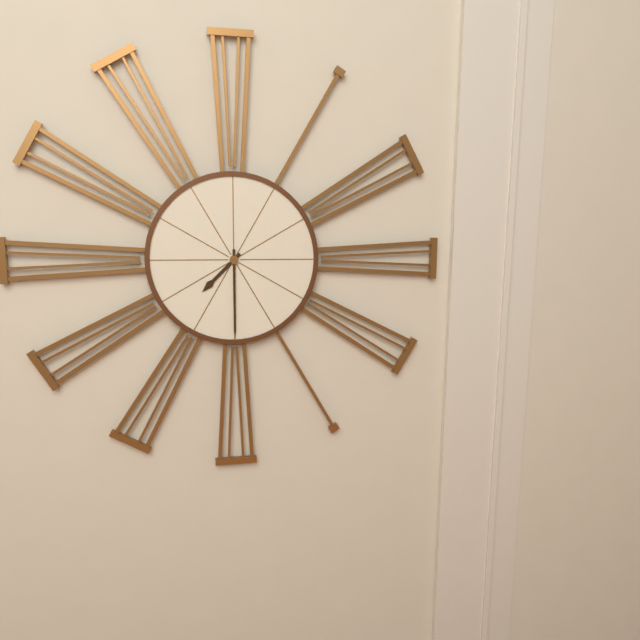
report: 7,30
